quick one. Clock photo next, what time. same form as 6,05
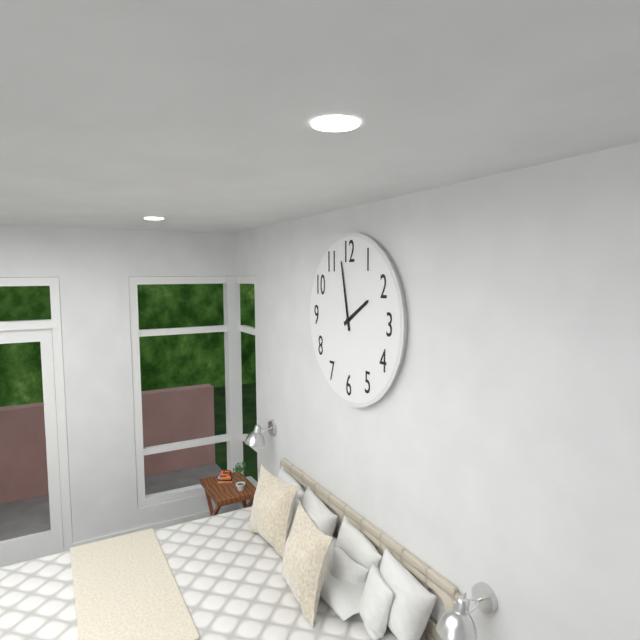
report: 1,58
